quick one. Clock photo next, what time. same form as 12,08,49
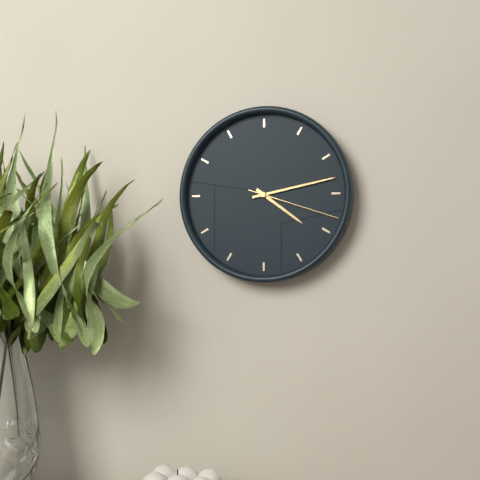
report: 4,13,18
